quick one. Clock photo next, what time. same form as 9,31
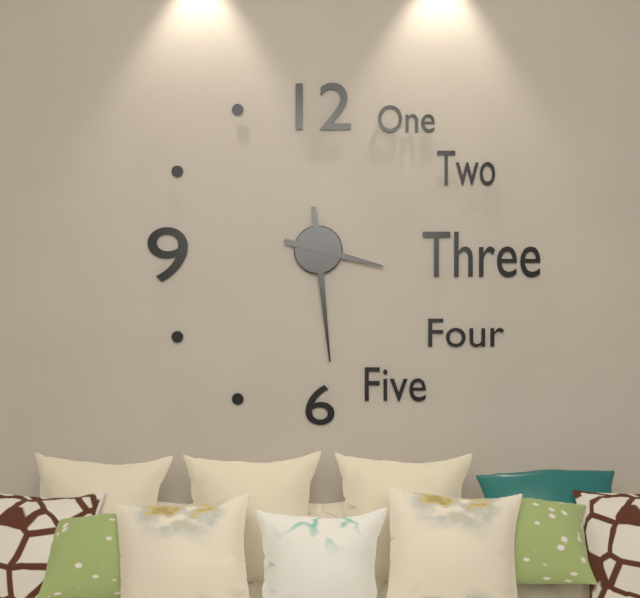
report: 3,29
